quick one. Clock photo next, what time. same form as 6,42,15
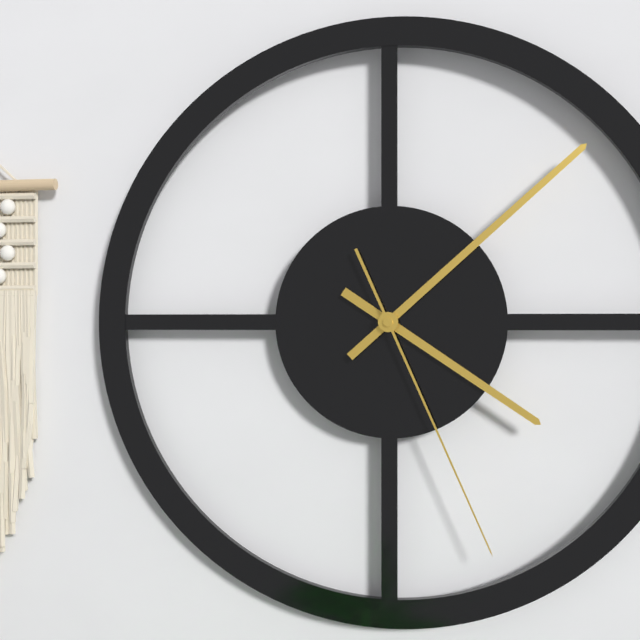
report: 4,08,26
